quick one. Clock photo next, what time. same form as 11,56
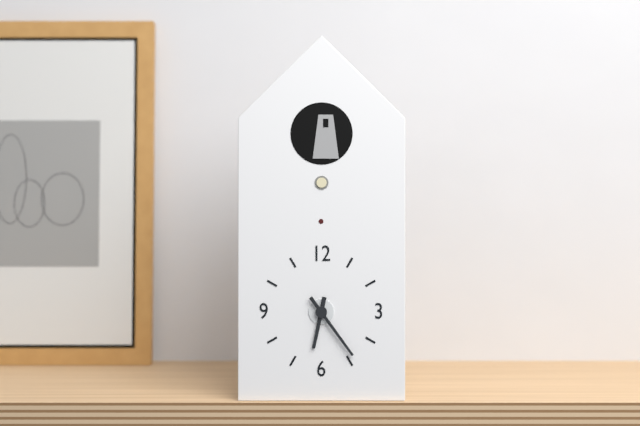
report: 6,24
